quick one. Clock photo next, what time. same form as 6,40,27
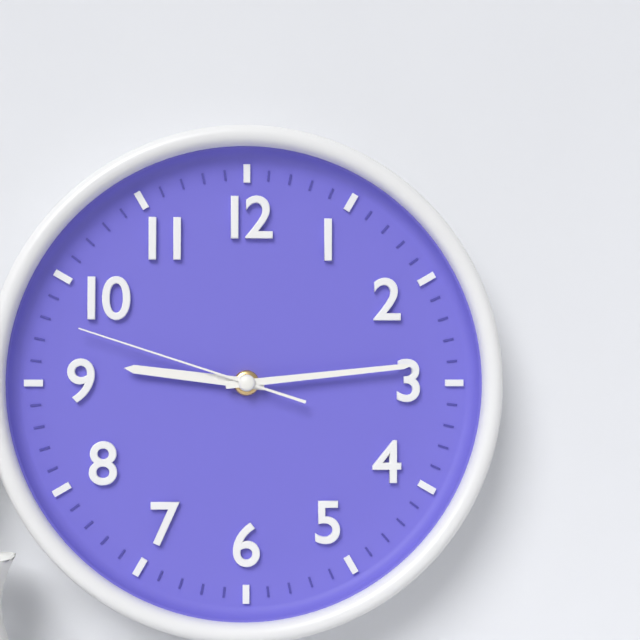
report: 9,14,48
